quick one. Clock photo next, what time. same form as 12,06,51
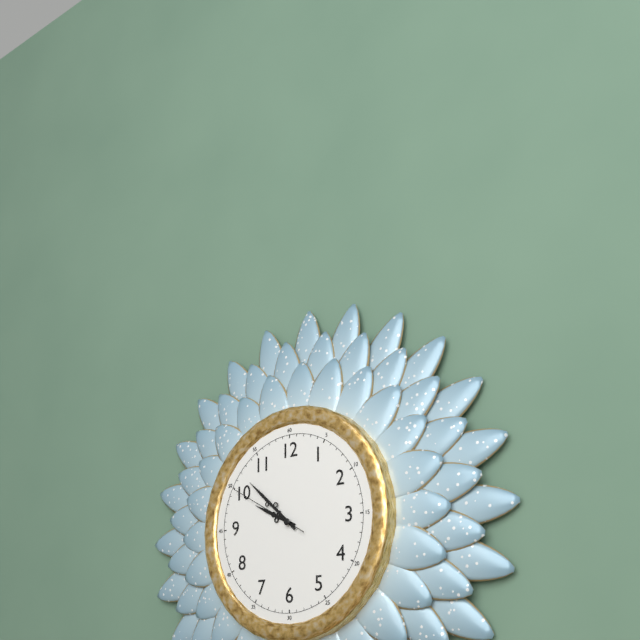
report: 9,52,50
